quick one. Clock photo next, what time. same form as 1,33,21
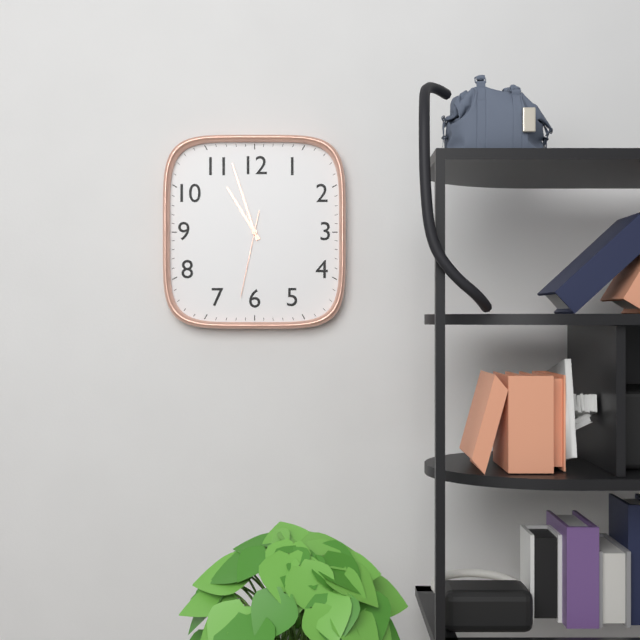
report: 10,57,32
